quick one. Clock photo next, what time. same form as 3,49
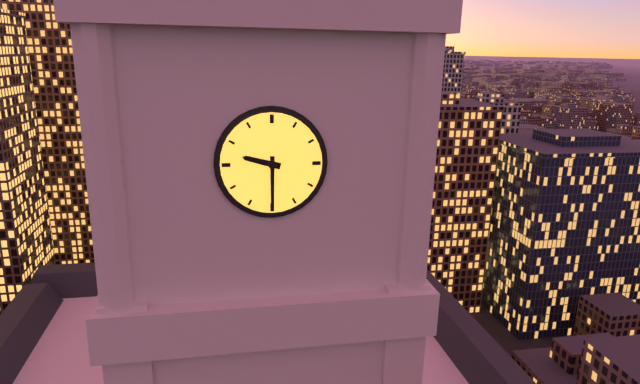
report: 9,30
